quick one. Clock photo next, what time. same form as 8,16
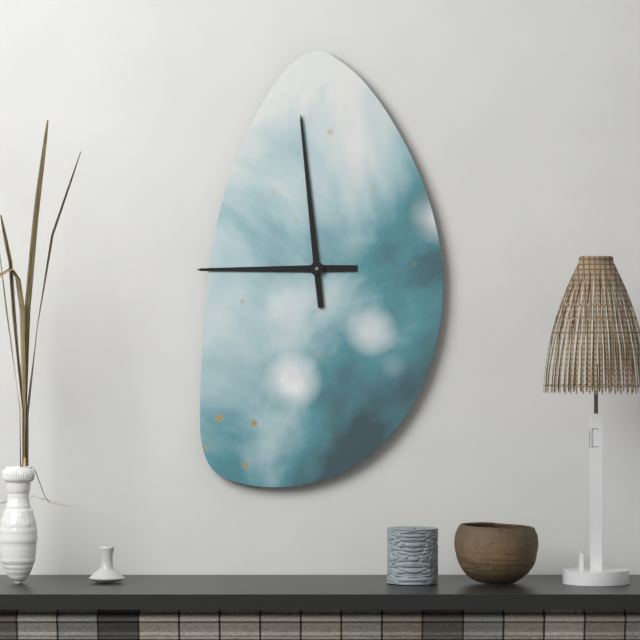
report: 8,59
